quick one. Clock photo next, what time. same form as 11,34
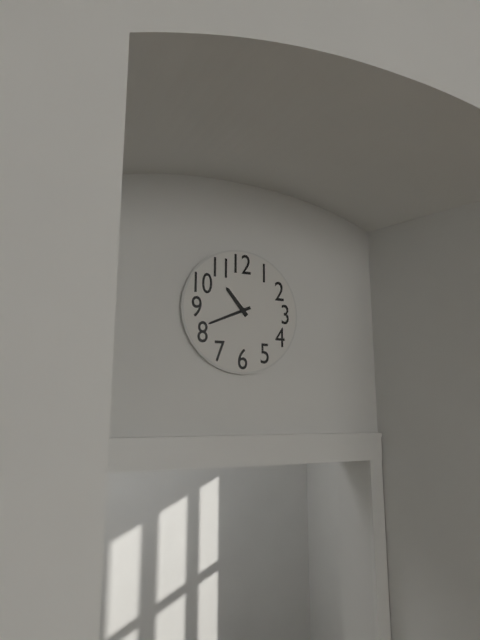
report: 10,41
